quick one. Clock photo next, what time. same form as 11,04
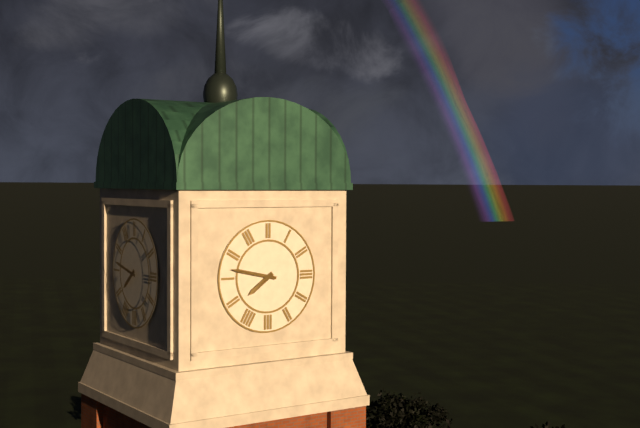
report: 7,47
